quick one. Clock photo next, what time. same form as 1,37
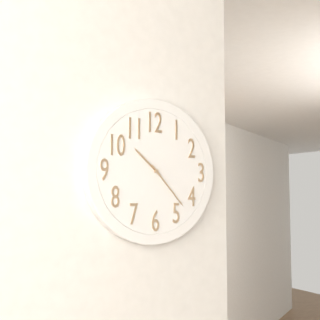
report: 10,23
